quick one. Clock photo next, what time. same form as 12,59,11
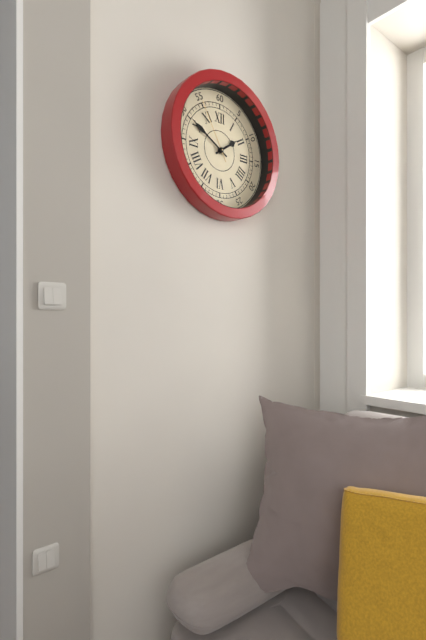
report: 1,50,55
